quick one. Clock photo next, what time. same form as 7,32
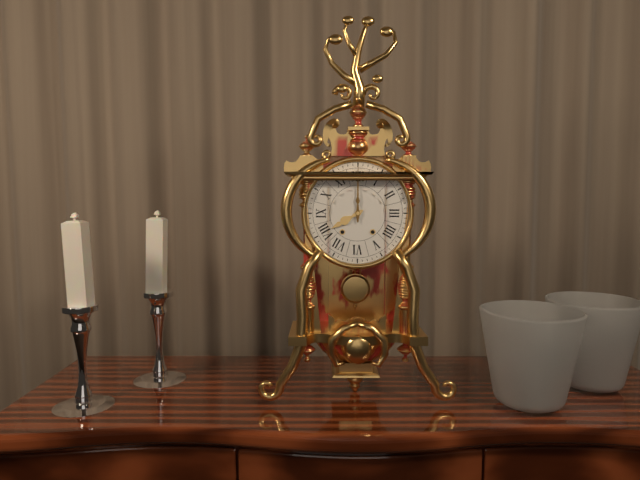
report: 8,00
